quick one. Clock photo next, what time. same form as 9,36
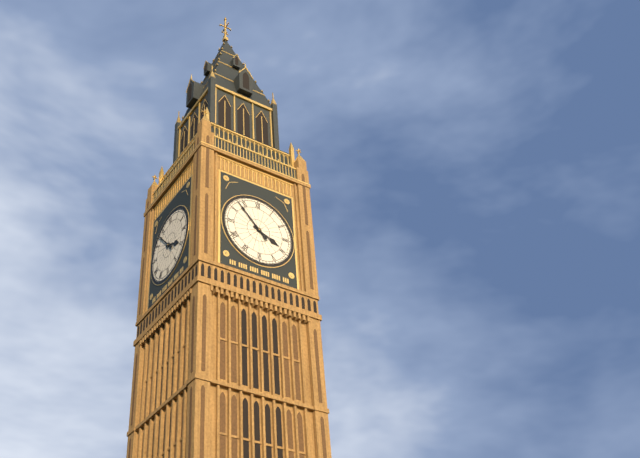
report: 3,53
